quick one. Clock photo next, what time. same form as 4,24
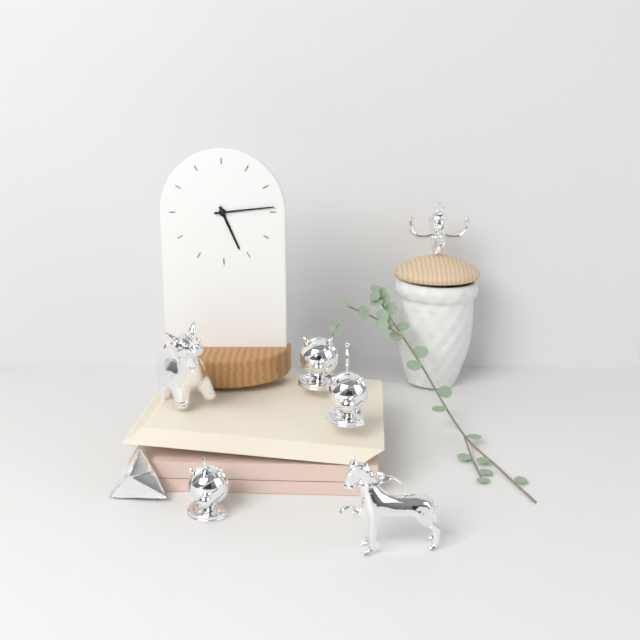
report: 5,14
